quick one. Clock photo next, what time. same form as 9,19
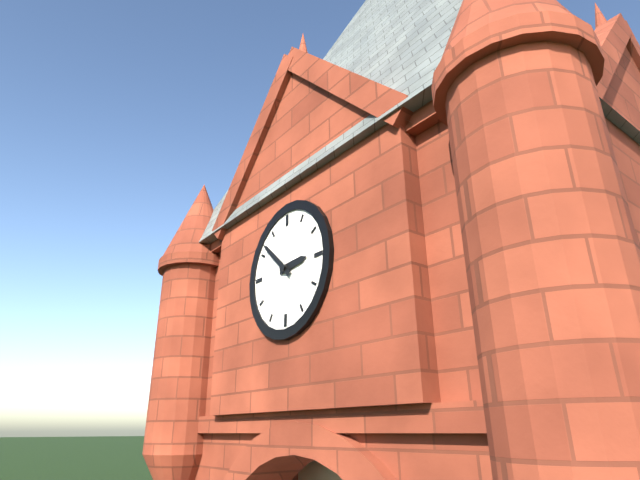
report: 2,52
